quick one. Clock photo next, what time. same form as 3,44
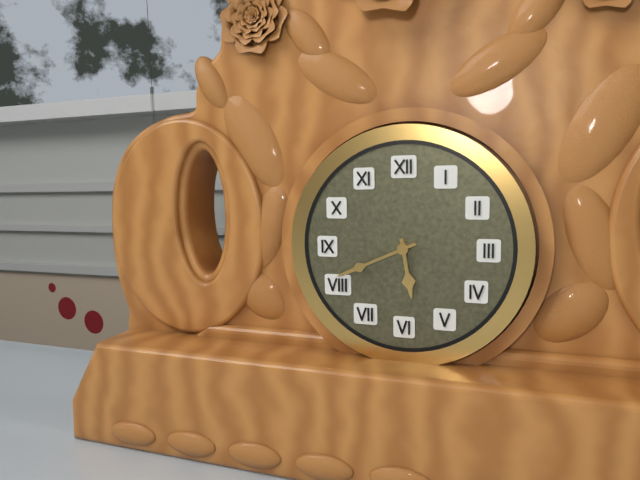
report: 5,41
